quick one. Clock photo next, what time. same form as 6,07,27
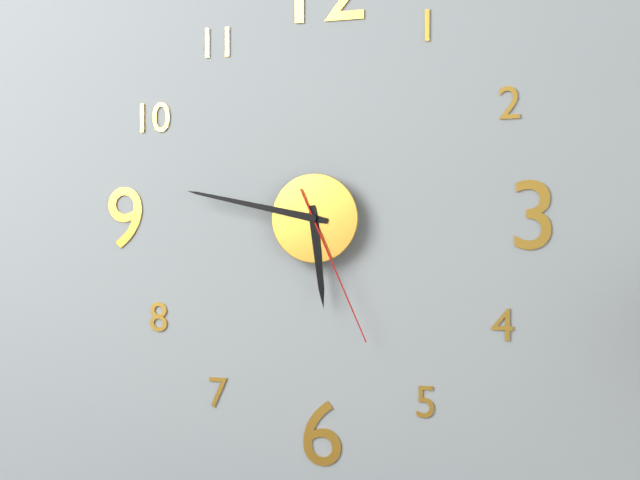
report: 5,47,26
